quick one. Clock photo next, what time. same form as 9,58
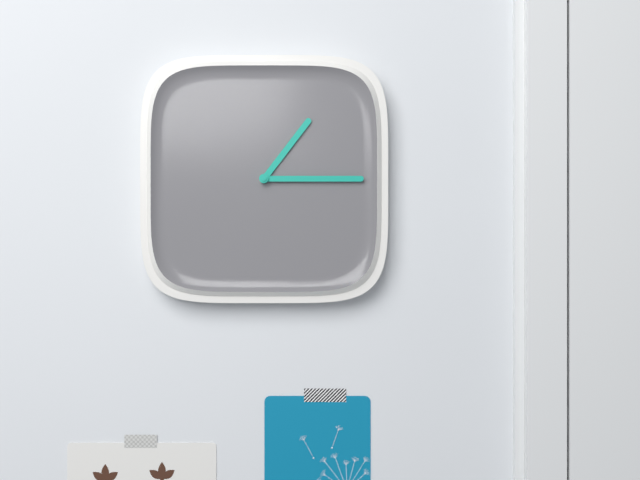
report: 1,15
